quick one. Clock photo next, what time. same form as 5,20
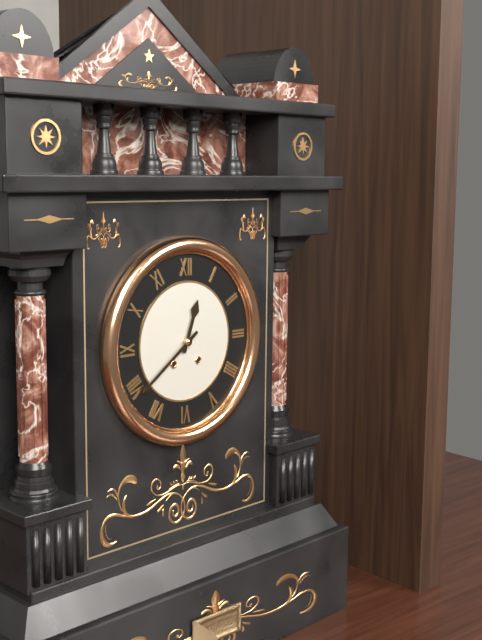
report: 12,39
